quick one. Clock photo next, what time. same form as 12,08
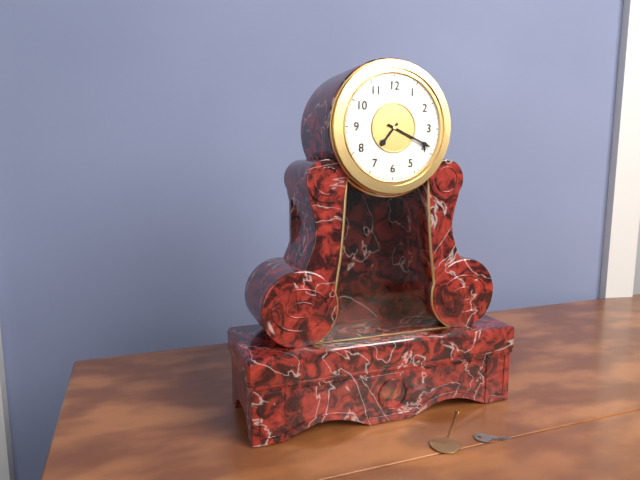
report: 7,19
